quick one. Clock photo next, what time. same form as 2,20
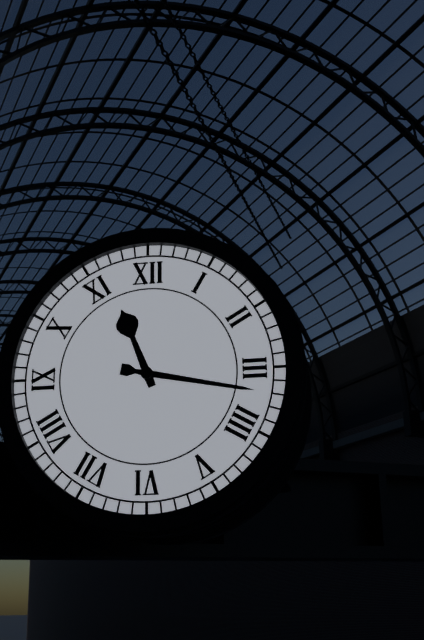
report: 11,17
